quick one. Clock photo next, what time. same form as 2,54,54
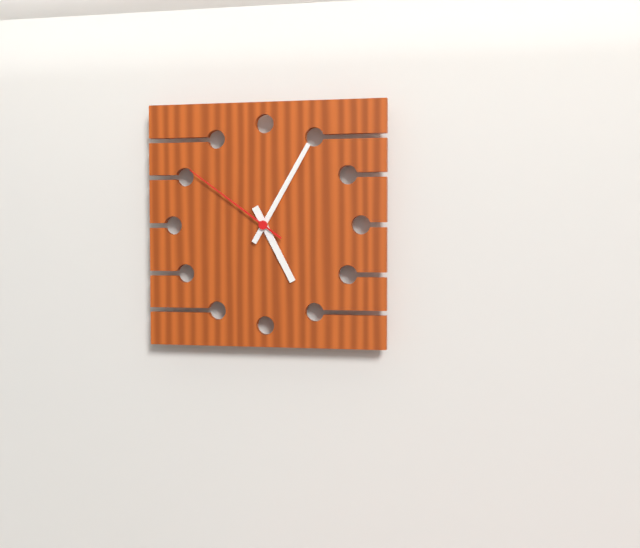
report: 5,05,51
